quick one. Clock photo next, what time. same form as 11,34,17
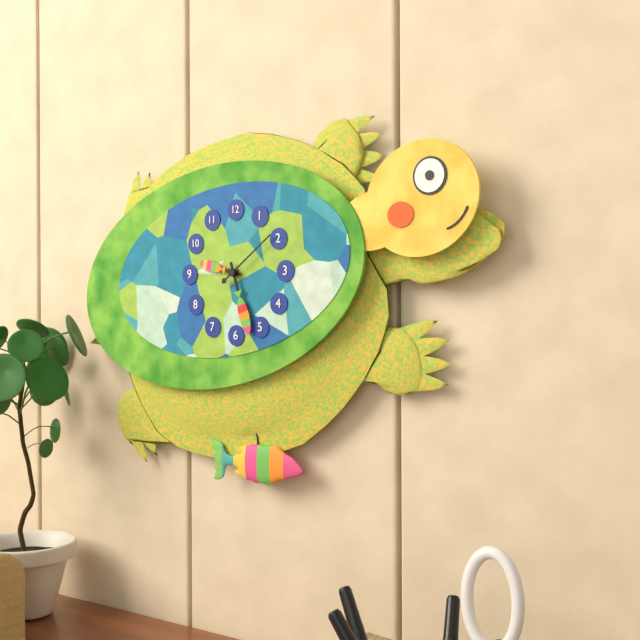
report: 9,27,09
